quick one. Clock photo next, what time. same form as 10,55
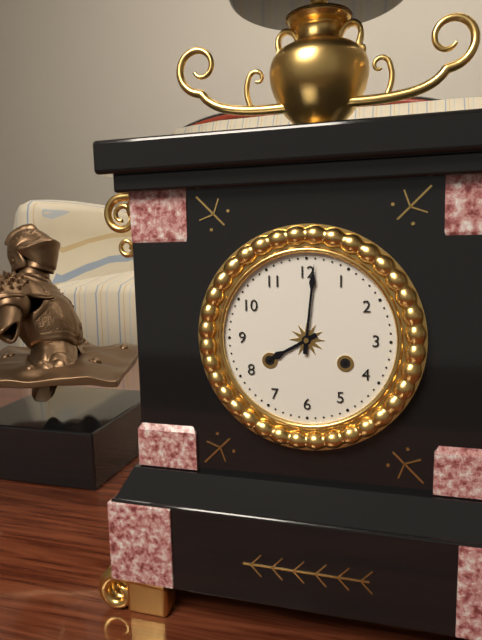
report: 8,01
